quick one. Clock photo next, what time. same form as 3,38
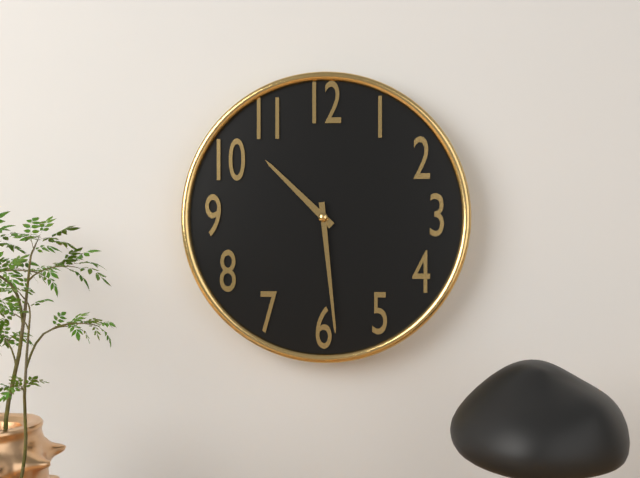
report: 10,29
